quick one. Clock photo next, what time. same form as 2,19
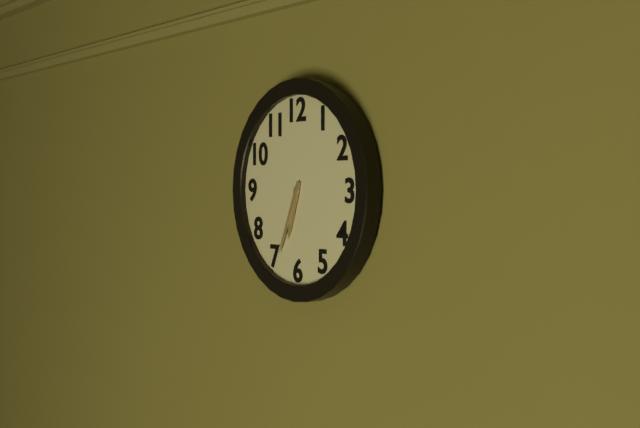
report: 6,34
